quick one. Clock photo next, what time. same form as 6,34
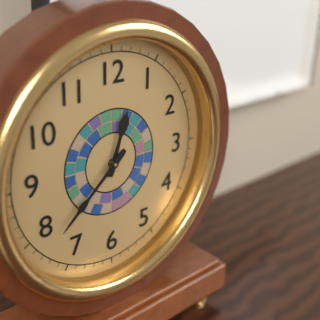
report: 12,38
